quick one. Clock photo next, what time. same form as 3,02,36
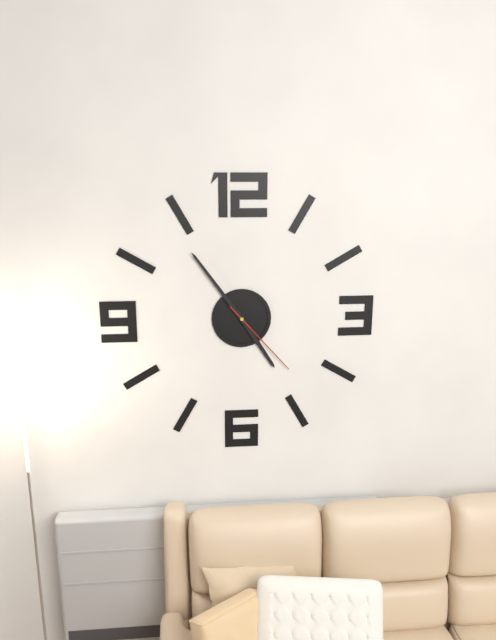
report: 4,54,23
